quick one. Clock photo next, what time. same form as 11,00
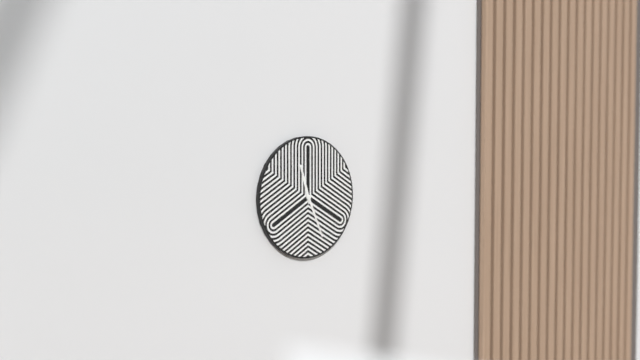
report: 11,26
